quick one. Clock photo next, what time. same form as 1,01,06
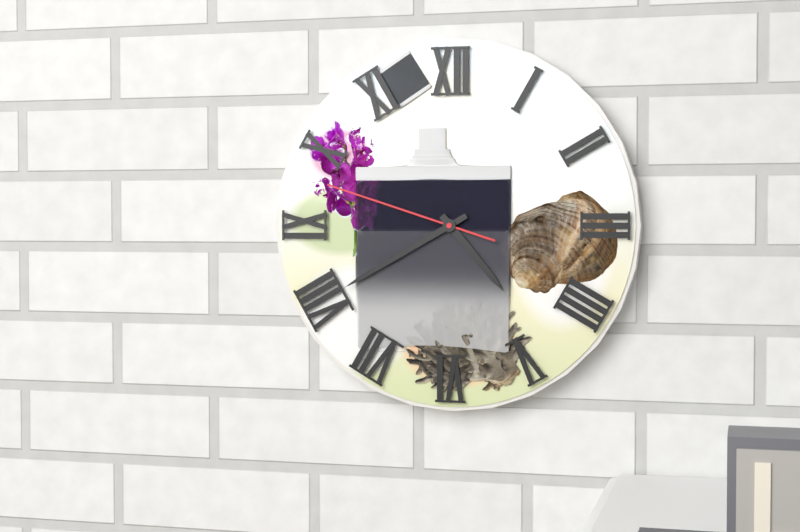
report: 4,40,48
